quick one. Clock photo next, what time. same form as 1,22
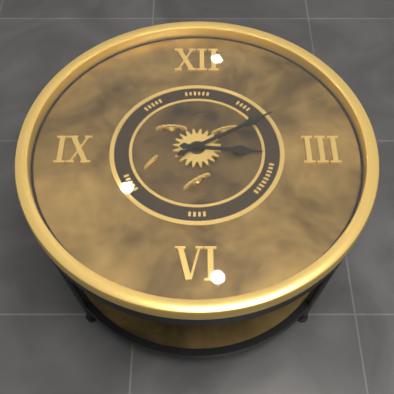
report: 3,10
